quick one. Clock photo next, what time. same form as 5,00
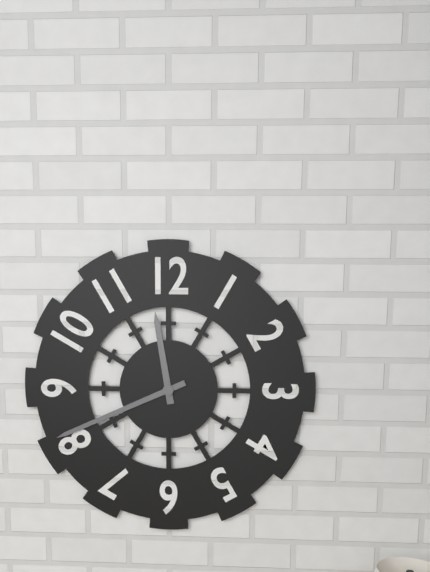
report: 11,41
